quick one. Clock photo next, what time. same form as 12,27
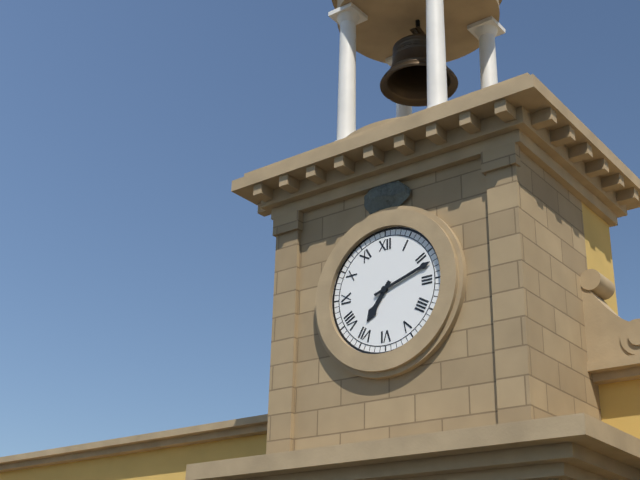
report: 7,12
